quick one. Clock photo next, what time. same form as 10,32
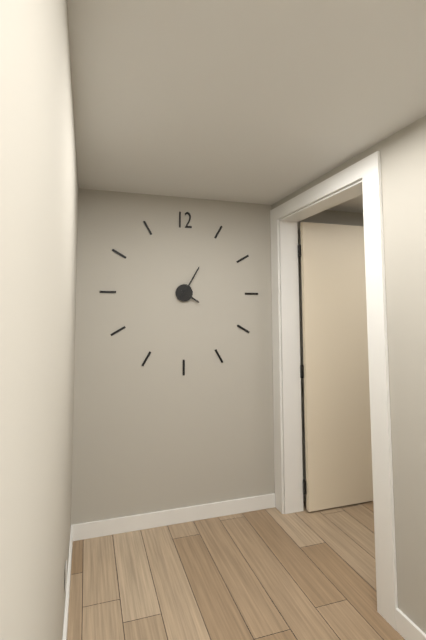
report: 4,05
